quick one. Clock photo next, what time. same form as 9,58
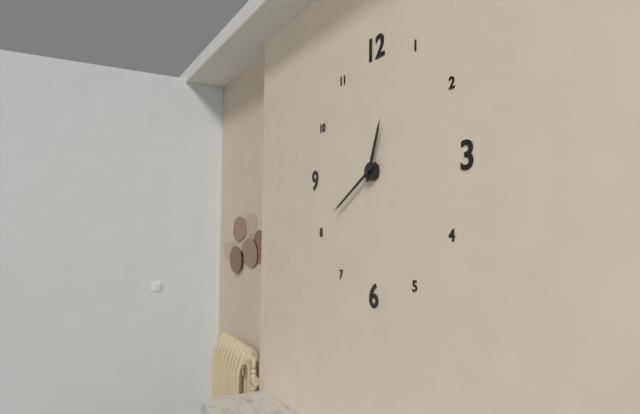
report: 12,40
